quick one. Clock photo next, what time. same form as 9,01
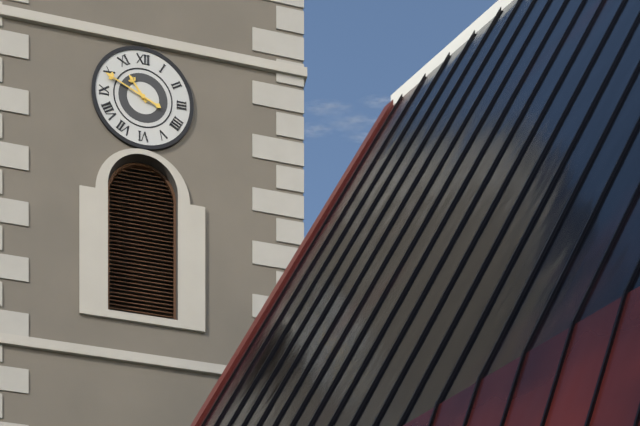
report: 10,49
